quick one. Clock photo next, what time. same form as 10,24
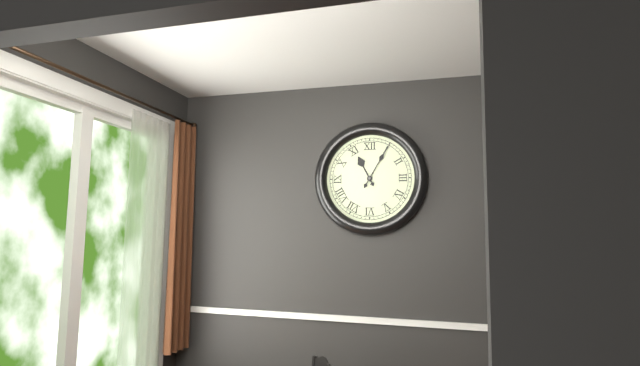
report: 11,05
